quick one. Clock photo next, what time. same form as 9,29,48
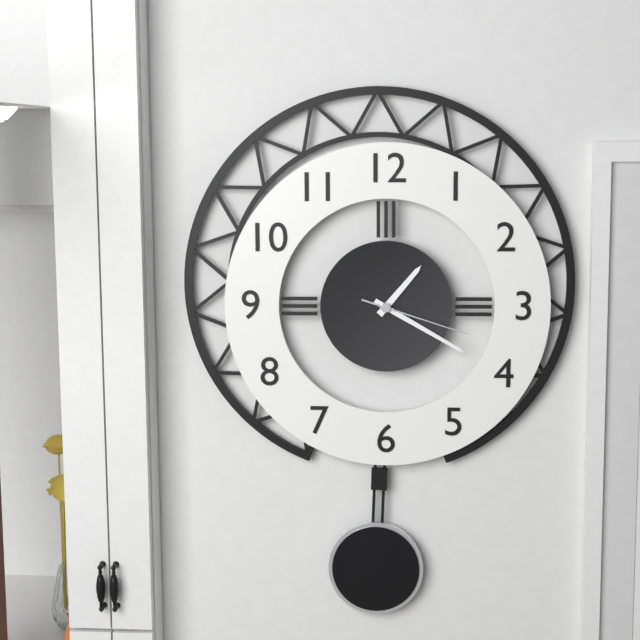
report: 1,20,18
